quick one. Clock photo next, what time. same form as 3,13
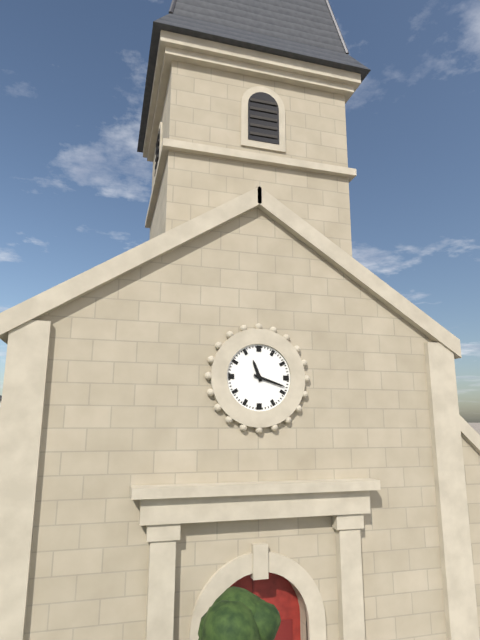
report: 11,18
